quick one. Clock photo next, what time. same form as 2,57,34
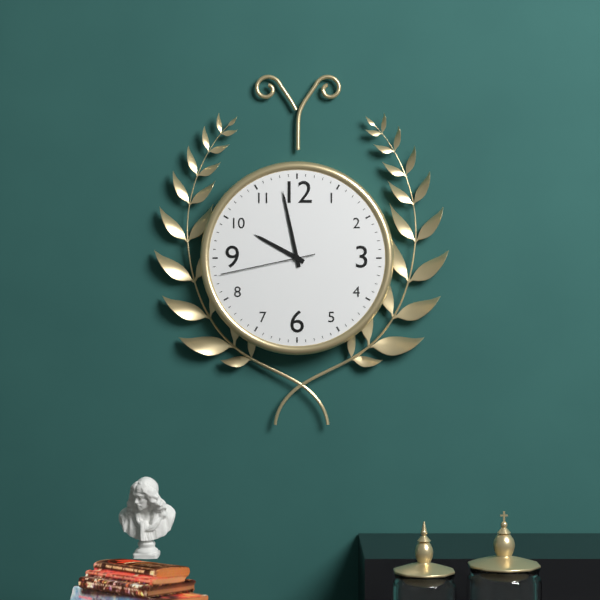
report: 9,58,43
